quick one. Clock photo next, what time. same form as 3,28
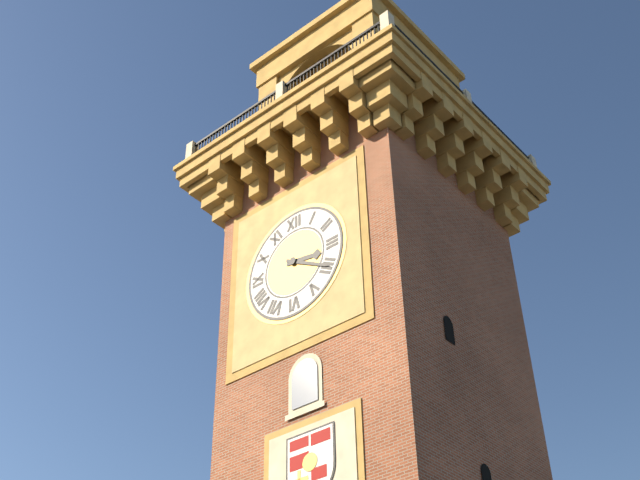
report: 3,20
